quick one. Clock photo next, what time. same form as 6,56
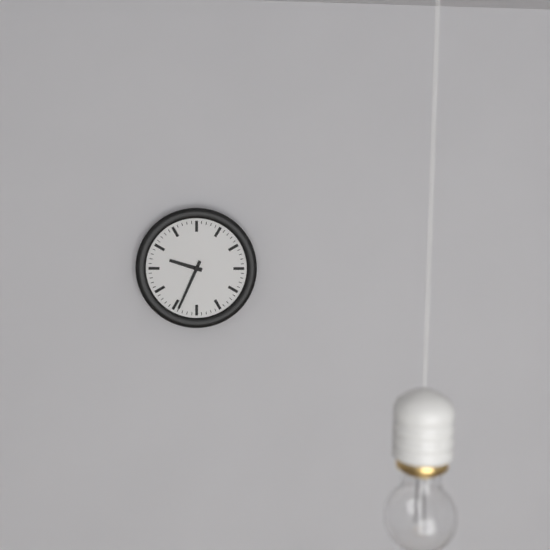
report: 9,34
